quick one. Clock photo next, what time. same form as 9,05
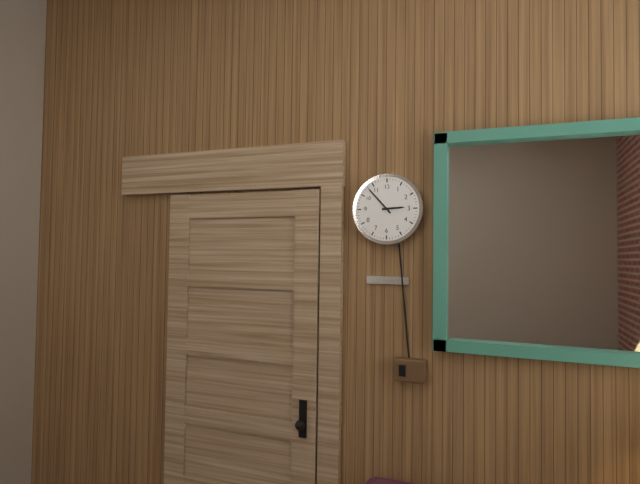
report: 2,53
